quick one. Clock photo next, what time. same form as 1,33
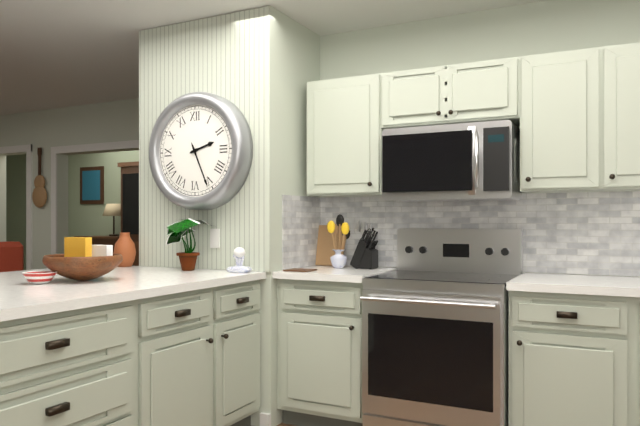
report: 2,26
